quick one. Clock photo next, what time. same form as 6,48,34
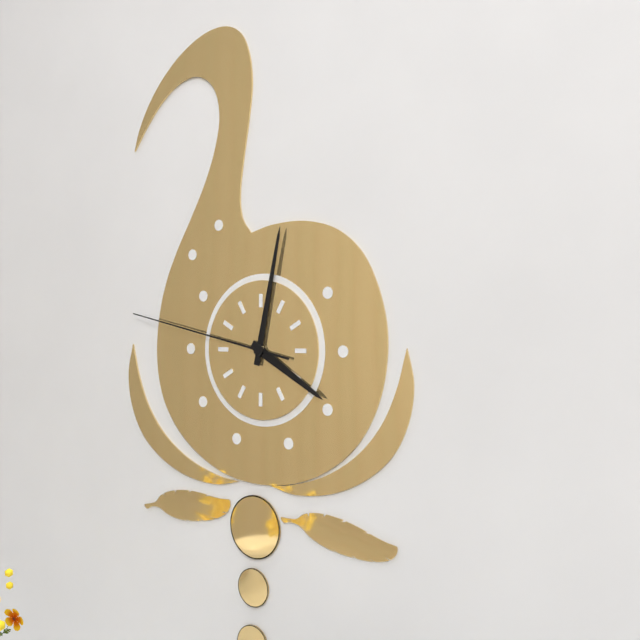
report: 4,02,47
